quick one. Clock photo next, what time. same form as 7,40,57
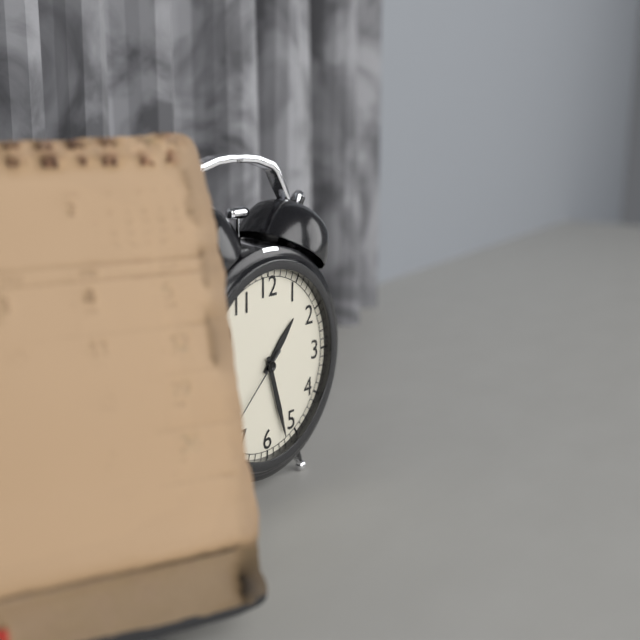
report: 1,27,38
